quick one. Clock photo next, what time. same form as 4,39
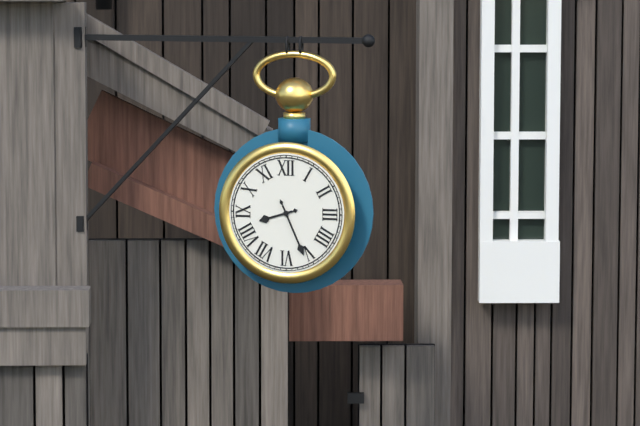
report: 8,26
